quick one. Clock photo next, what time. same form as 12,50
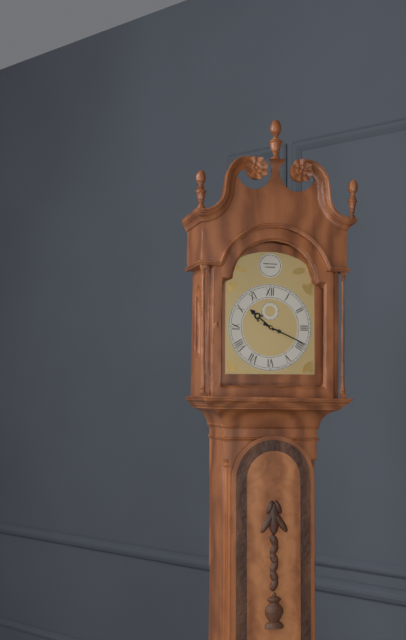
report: 10,19
